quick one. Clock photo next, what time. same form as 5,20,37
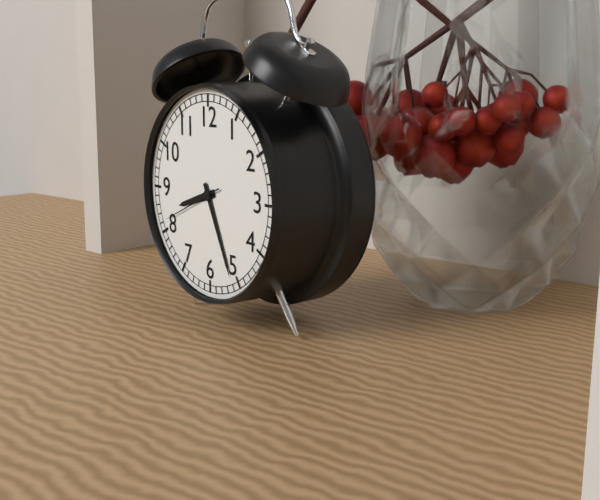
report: 8,26,41
